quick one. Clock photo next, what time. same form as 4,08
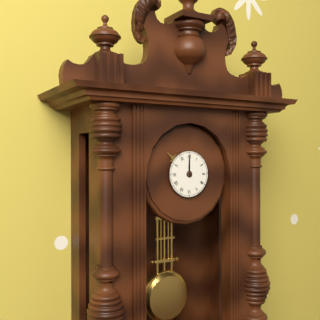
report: 12,00
